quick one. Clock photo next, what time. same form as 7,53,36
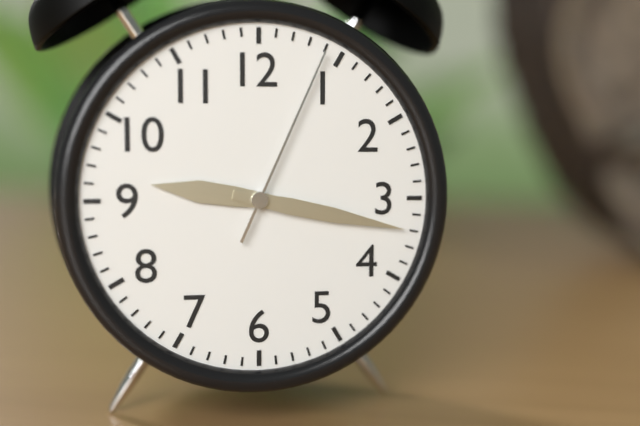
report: 9,17,04
